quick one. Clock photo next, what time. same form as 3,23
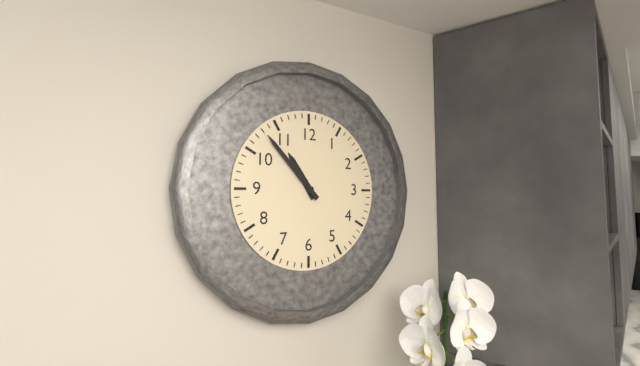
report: 10,53
